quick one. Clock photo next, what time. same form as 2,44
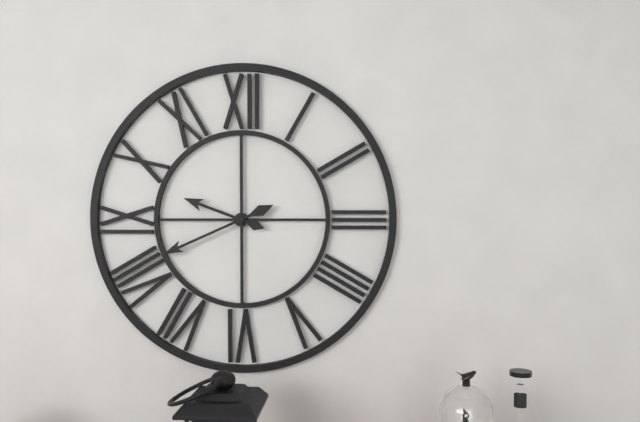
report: 9,41
